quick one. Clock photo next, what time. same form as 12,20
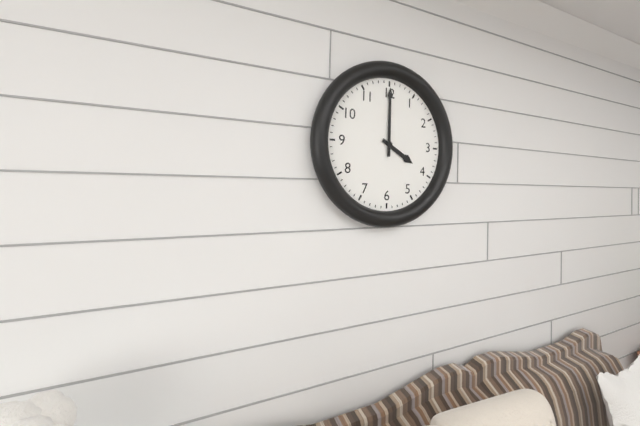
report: 4,00
